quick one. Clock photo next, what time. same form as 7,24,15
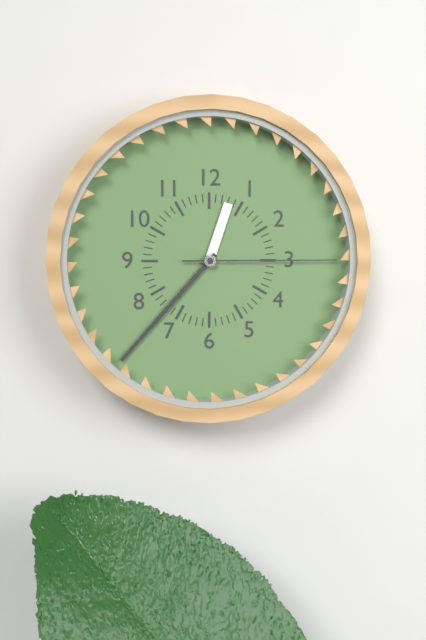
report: 12,37,15
